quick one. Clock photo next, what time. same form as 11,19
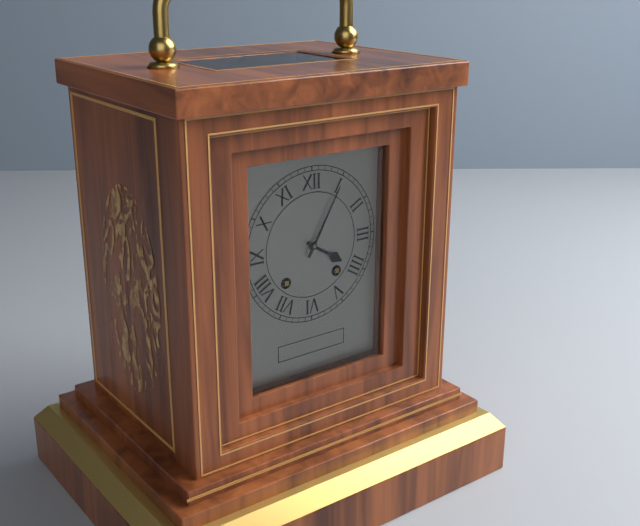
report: 4,05
